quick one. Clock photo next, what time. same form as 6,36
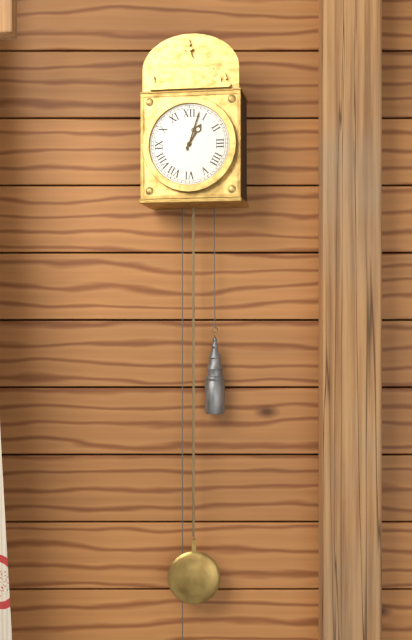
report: 1,03
